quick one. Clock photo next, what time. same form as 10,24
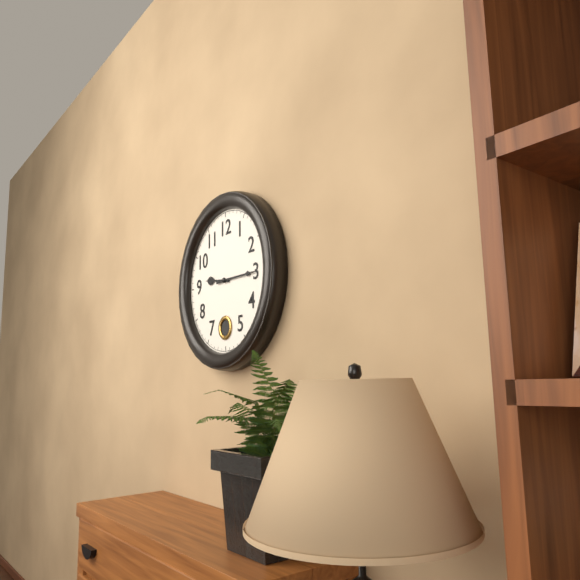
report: 9,15
